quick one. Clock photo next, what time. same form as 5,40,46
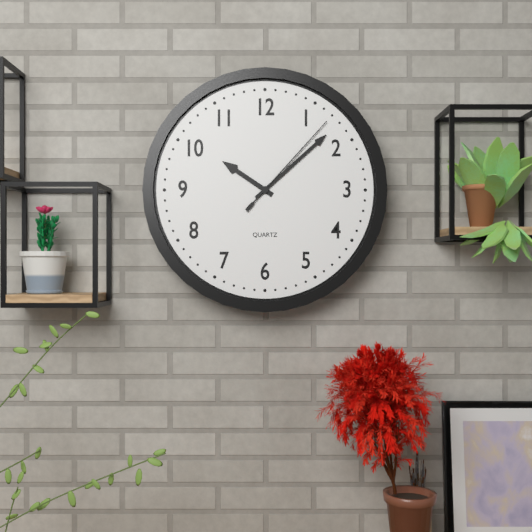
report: 10,08,07
